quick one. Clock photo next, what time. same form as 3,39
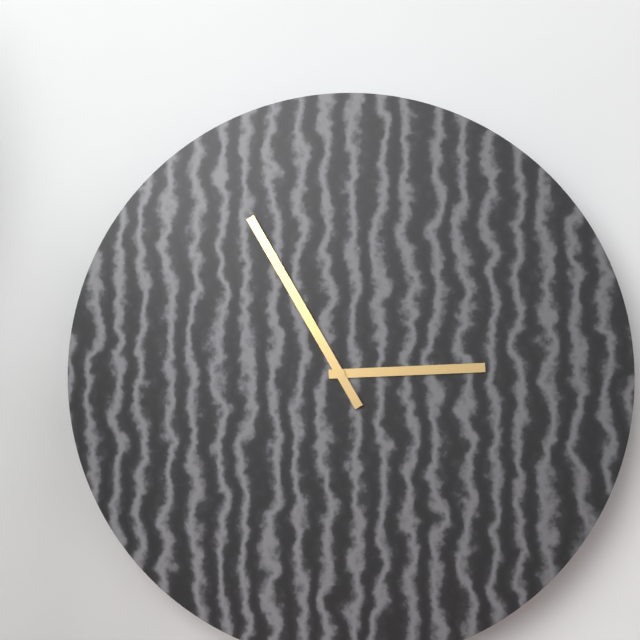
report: 2,55
